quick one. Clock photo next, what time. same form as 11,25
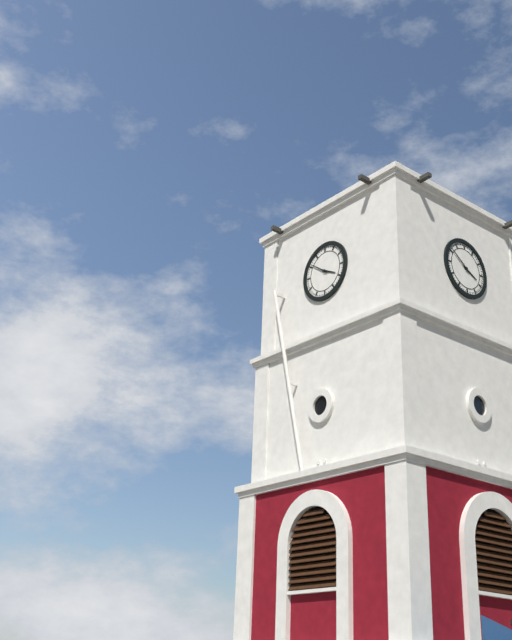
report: 3,51
